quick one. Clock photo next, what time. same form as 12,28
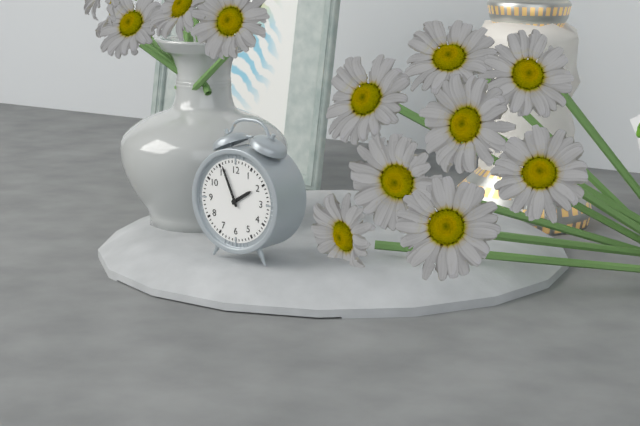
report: 1,56
